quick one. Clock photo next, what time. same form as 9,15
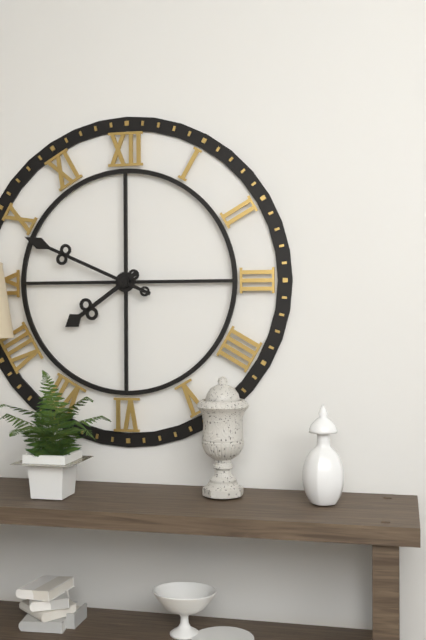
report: 7,49
